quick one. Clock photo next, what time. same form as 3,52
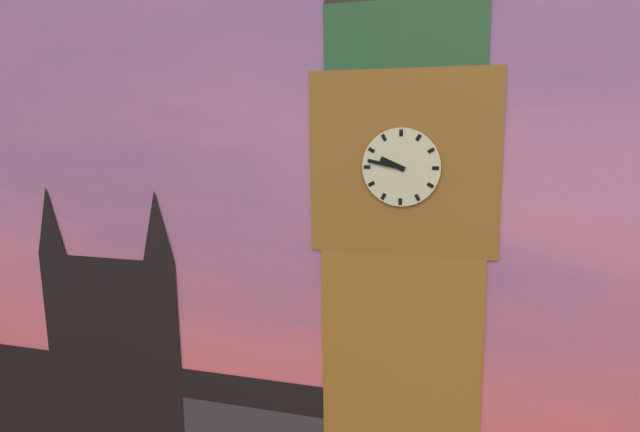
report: 9,47
